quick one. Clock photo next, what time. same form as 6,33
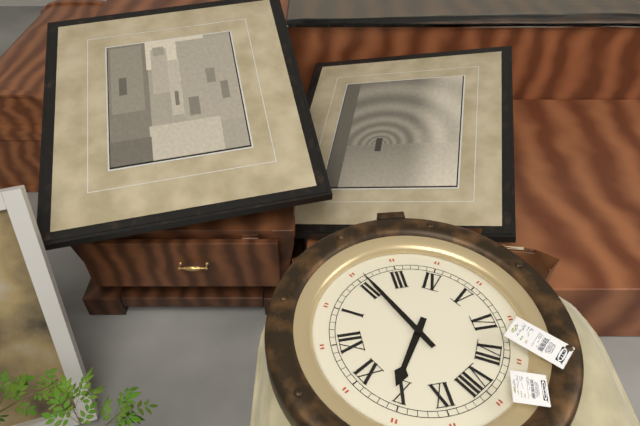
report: 10,11
